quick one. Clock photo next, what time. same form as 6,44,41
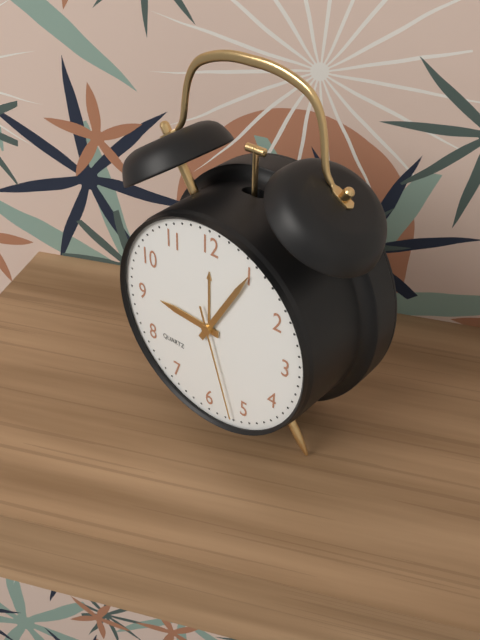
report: 9,05,27
